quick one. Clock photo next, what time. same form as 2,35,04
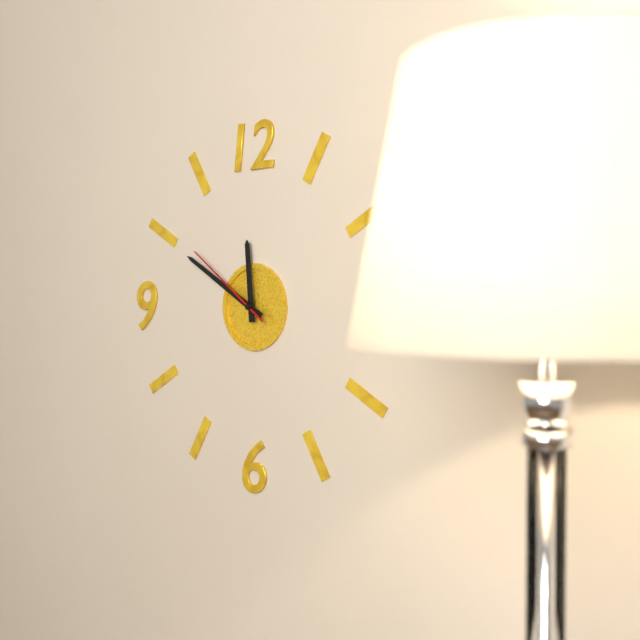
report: 11,50,51
